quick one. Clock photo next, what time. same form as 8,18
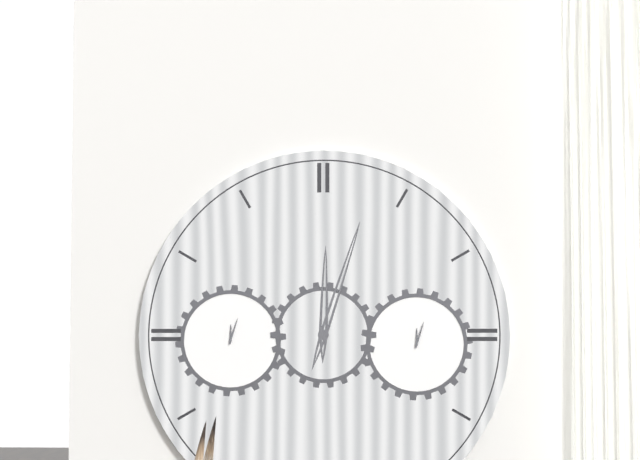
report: 12,03
